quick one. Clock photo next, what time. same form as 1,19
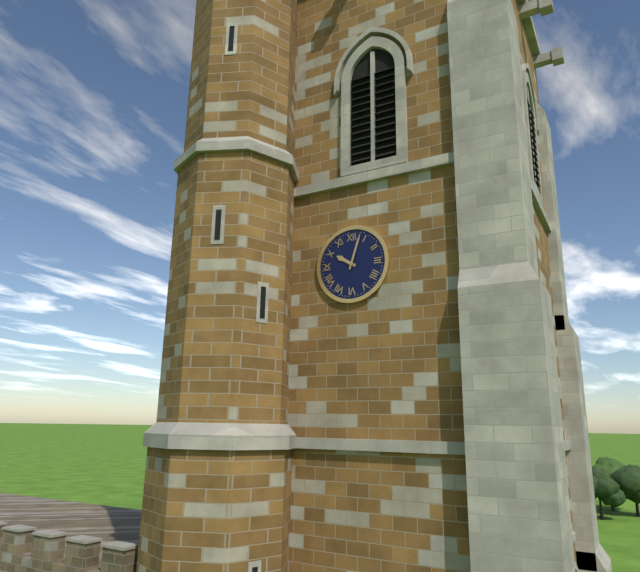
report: 10,03
